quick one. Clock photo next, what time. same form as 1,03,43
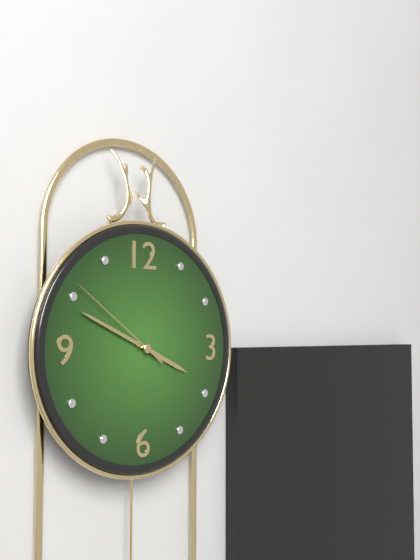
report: 3,49,51
